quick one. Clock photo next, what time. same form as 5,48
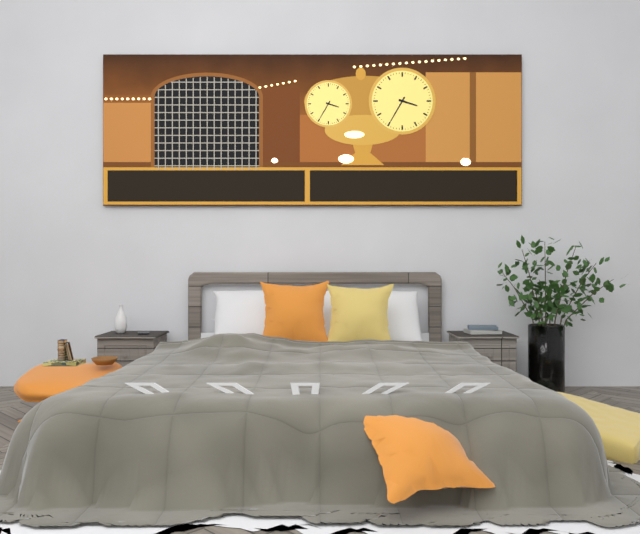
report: 3,35
